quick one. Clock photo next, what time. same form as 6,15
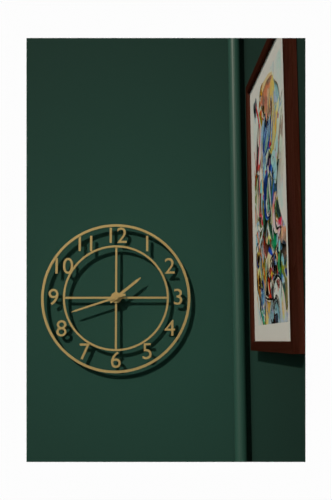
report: 1,42
